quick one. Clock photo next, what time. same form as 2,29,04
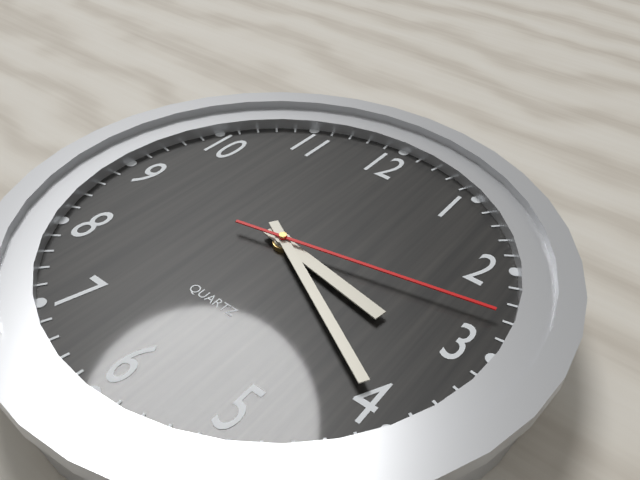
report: 3,20,13
